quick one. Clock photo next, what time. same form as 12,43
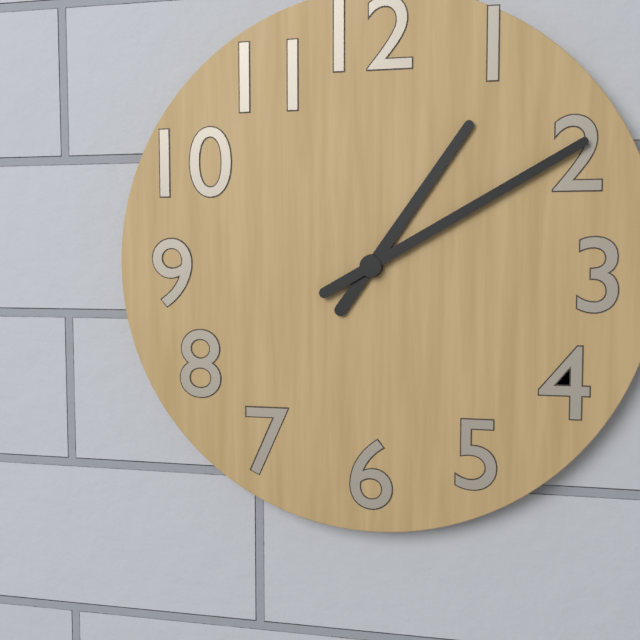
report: 1,10
